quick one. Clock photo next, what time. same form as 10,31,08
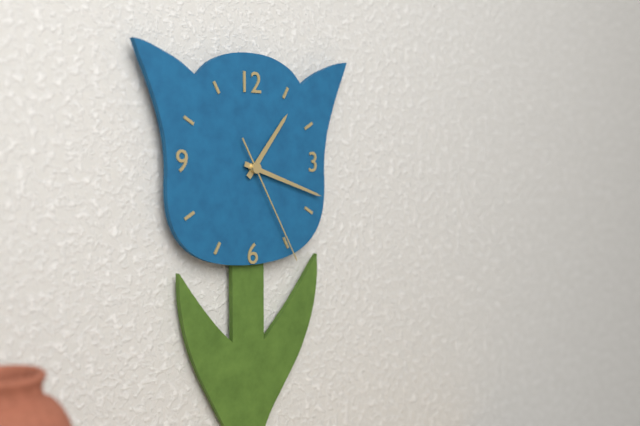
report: 1,18,25
